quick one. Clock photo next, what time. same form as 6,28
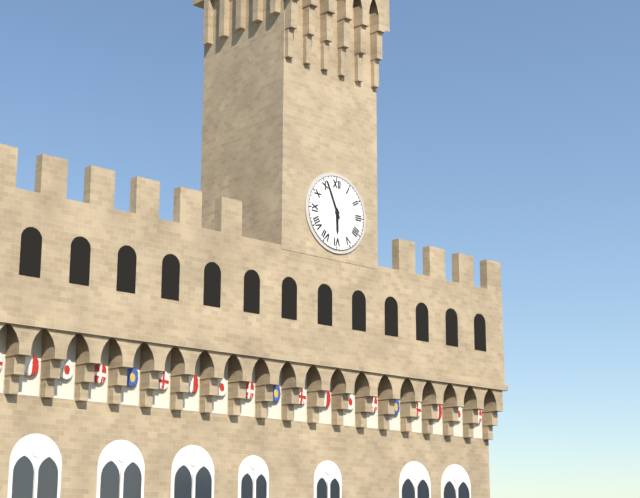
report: 5,56
